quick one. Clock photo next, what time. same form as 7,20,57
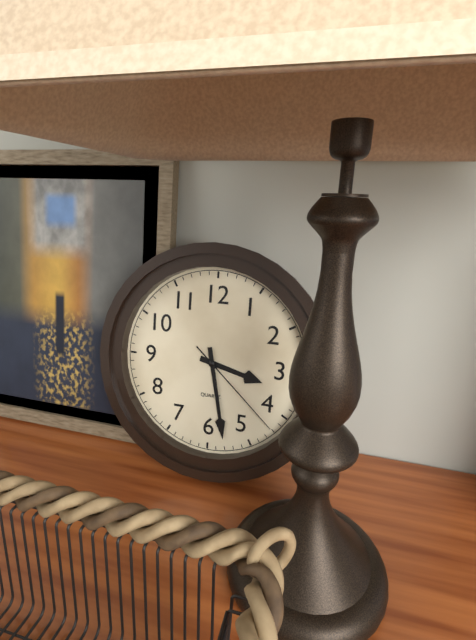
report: 3,28,22
